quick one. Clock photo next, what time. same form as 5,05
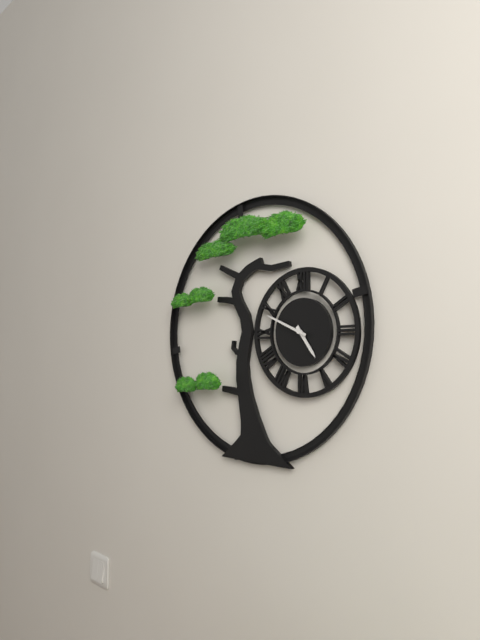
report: 4,49
